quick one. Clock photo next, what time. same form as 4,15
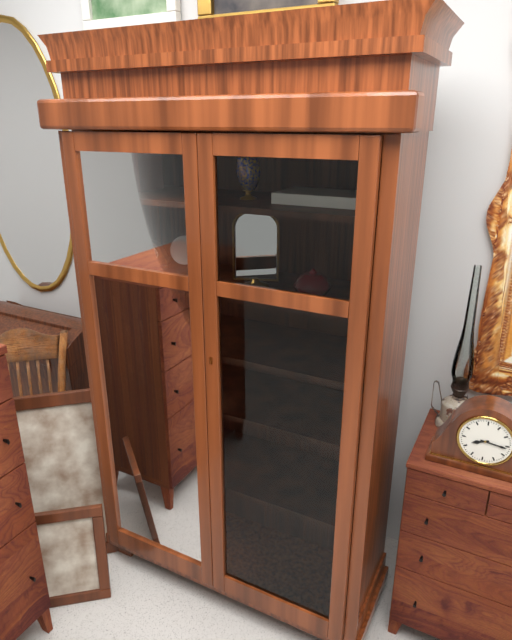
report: 8,16
